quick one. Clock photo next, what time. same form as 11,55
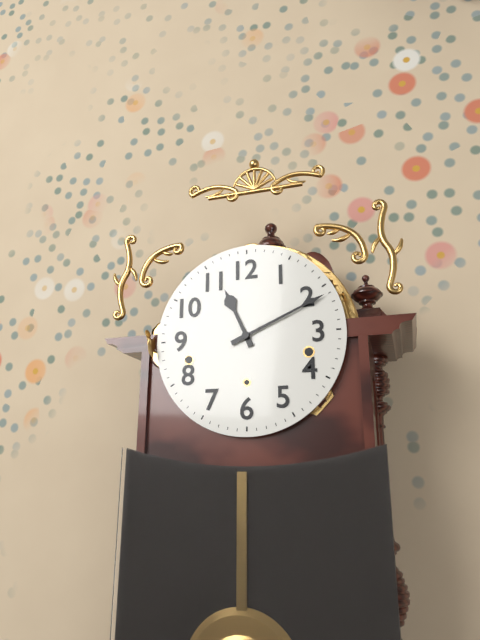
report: 11,11
